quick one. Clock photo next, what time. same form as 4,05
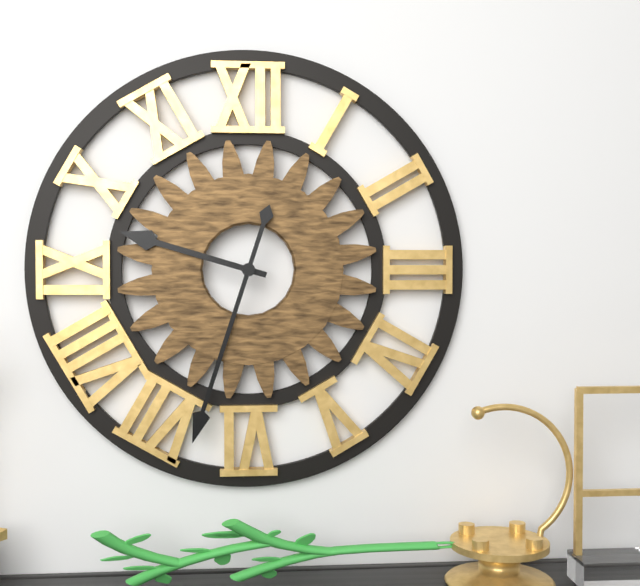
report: 9,33
